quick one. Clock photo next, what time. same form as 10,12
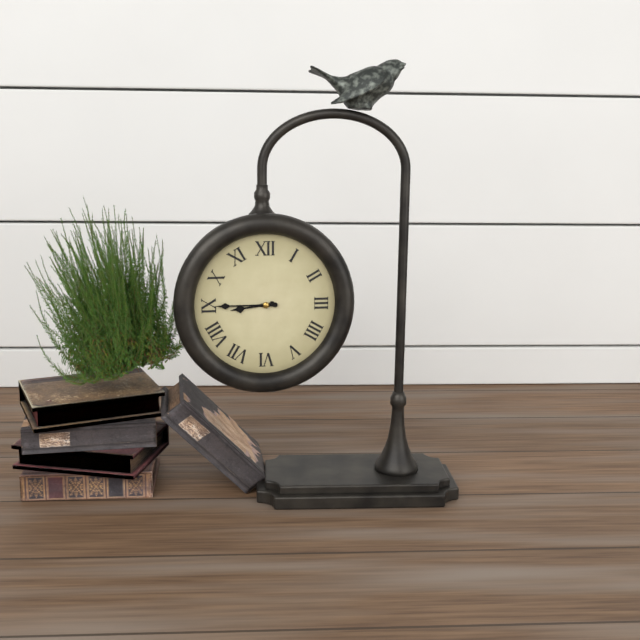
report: 8,45
